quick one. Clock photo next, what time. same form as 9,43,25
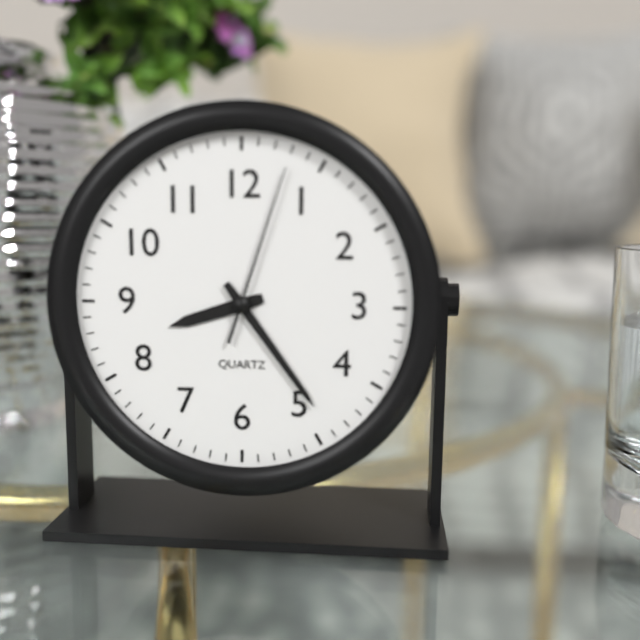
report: 8,24,03
